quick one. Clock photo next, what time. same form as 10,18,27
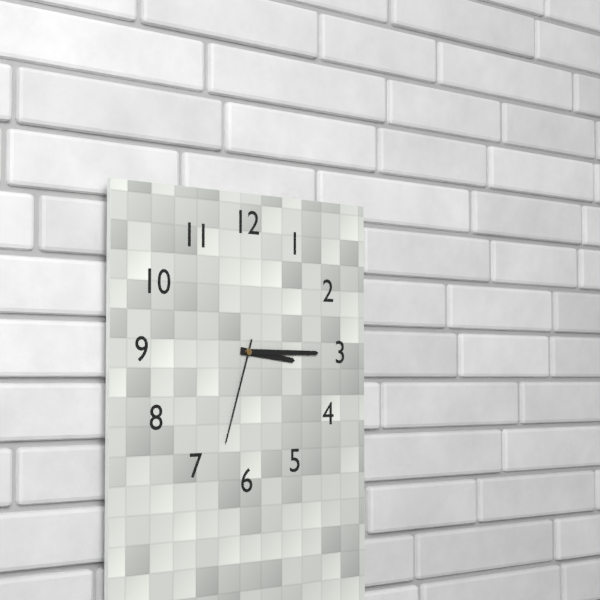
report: 3,15,33
